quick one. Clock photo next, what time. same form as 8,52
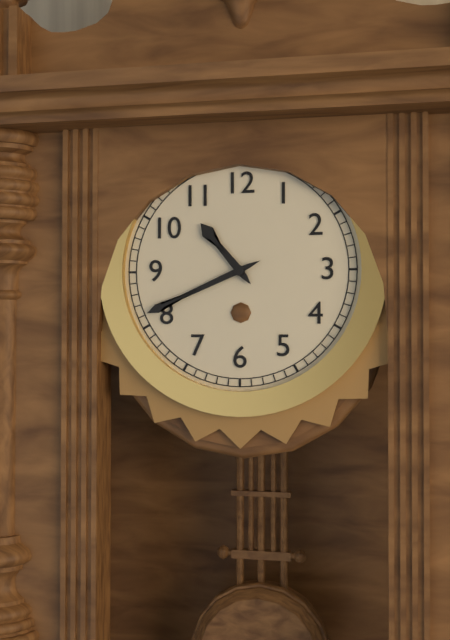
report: 10,41
